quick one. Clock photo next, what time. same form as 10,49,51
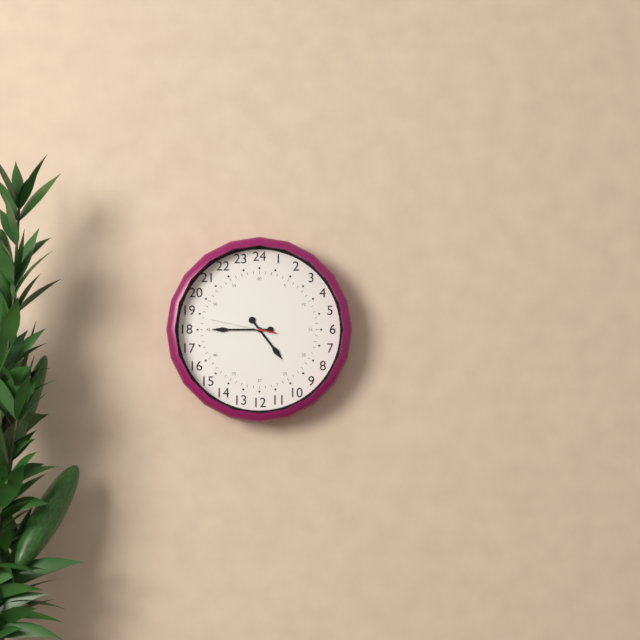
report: 4,45,47
